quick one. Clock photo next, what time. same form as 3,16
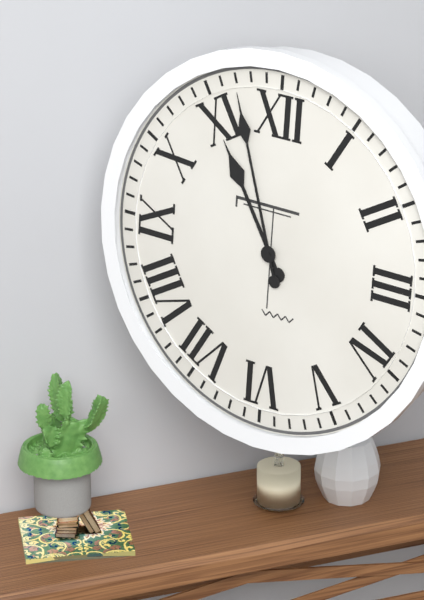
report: 10,57
